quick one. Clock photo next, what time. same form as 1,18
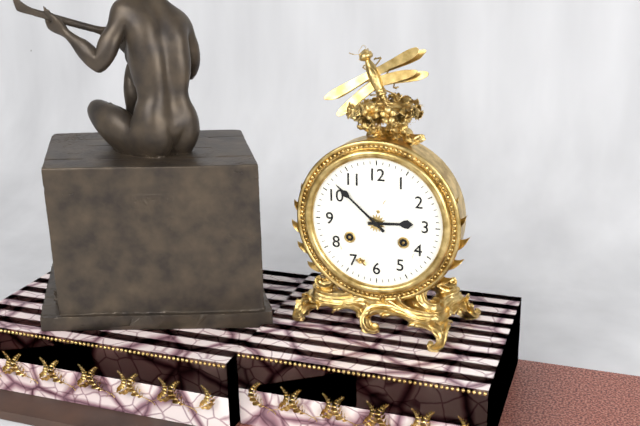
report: 2,52
